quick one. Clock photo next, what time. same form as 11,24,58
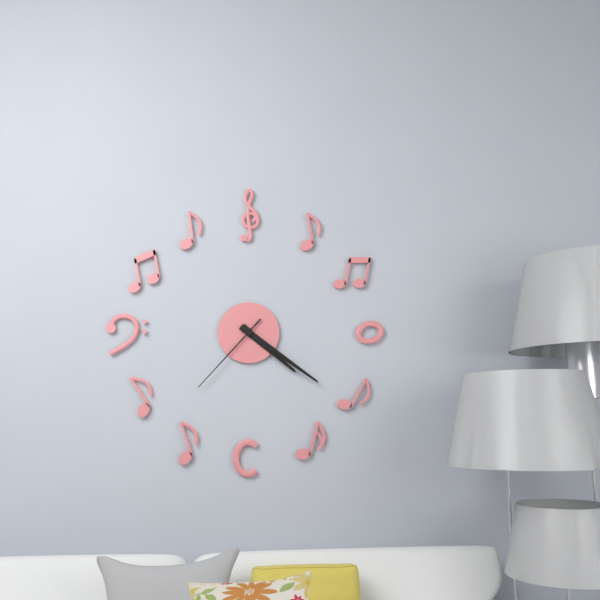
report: 4,21,37
